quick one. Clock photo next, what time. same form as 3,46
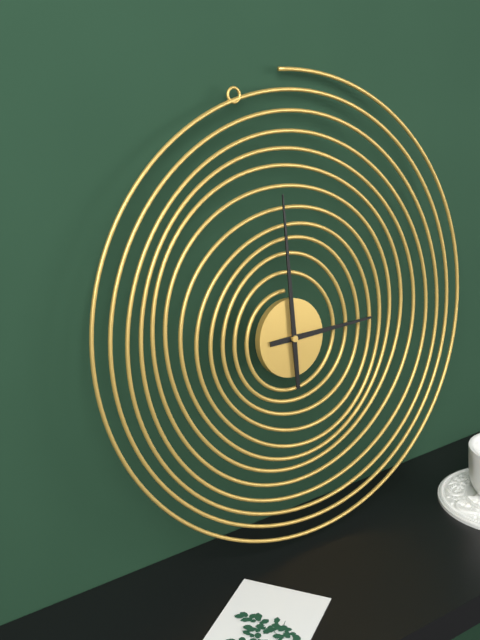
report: 3,00
